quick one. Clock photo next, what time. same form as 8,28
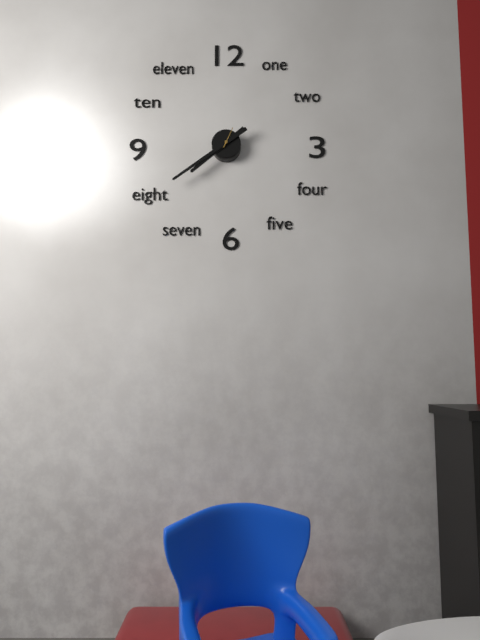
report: 7,39
